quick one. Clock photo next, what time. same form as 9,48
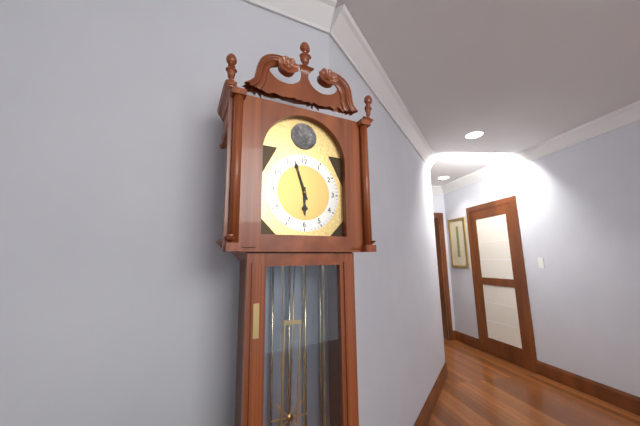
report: 5,57
